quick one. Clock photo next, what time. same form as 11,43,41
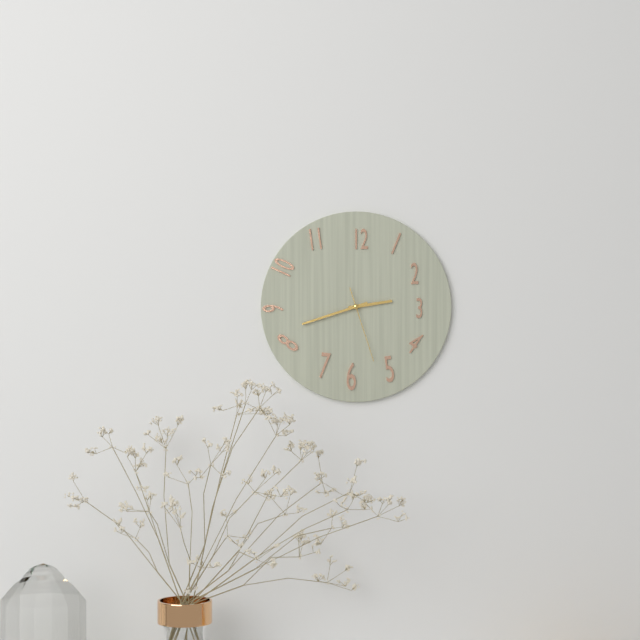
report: 2,42,27
